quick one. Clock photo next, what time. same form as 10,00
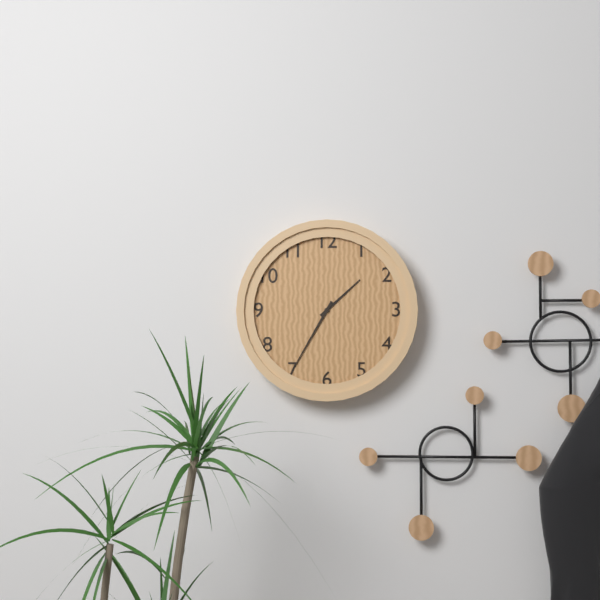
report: 1,35
